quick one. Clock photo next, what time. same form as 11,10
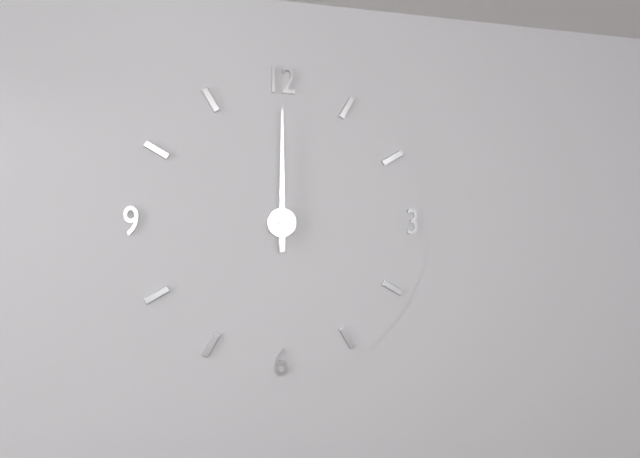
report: 12,00
